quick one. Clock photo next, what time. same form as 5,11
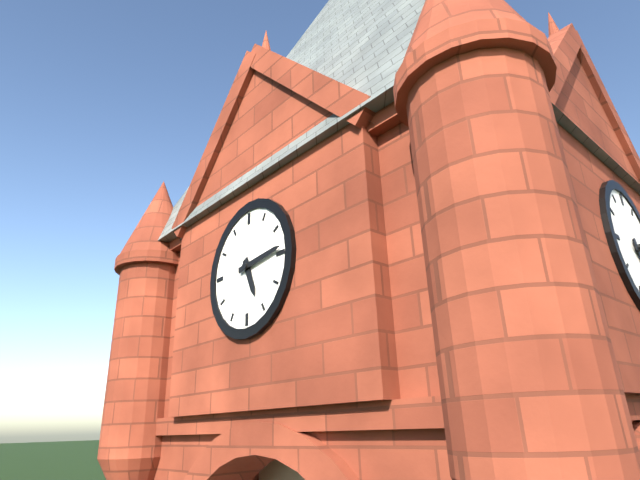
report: 5,14
